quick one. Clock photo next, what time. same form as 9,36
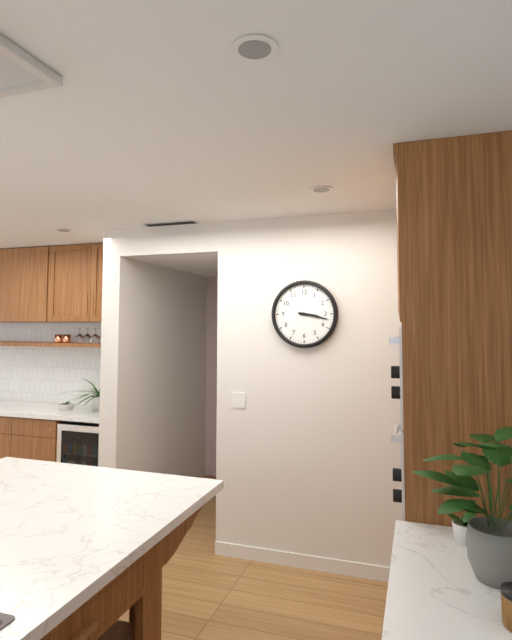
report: 3,17
